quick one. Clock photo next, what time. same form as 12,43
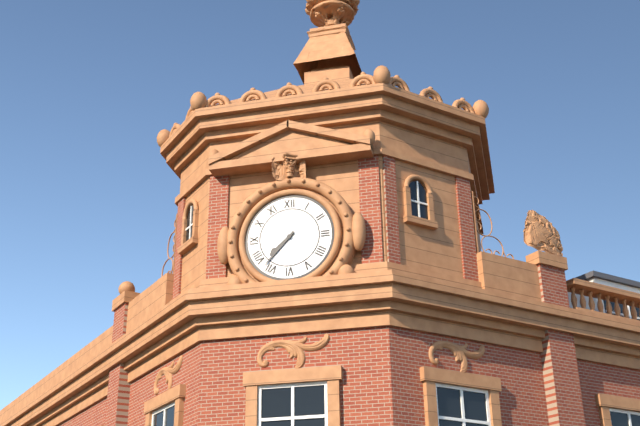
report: 7,37
